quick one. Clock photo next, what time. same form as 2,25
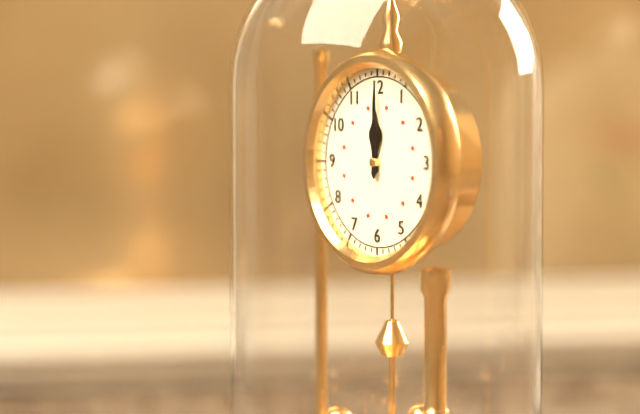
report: 12,00
